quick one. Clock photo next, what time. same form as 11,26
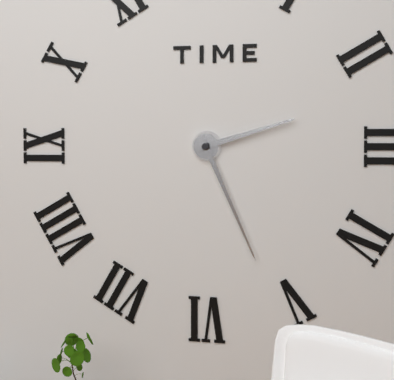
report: 2,26
